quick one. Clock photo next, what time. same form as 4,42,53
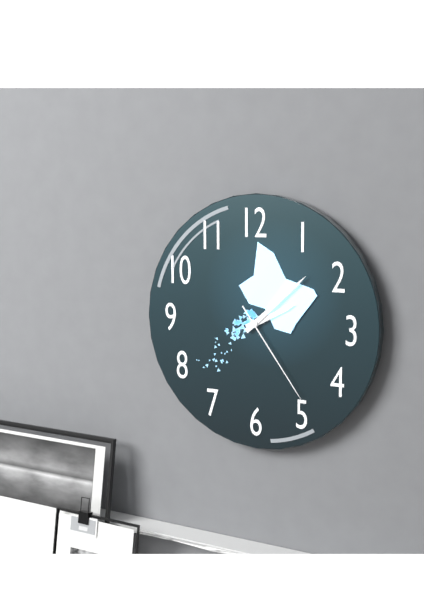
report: 2,08,24
